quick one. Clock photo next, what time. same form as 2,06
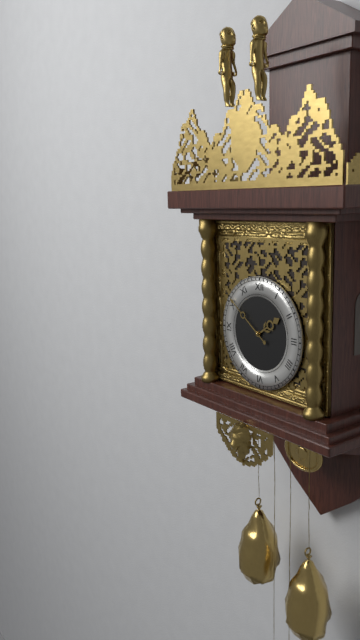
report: 1,51
